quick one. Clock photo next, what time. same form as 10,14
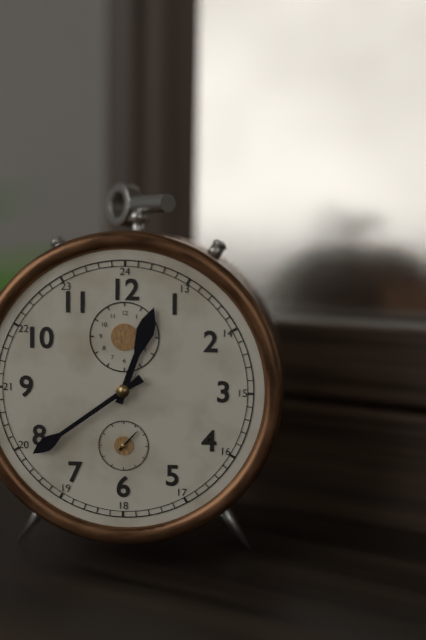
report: 12,39
